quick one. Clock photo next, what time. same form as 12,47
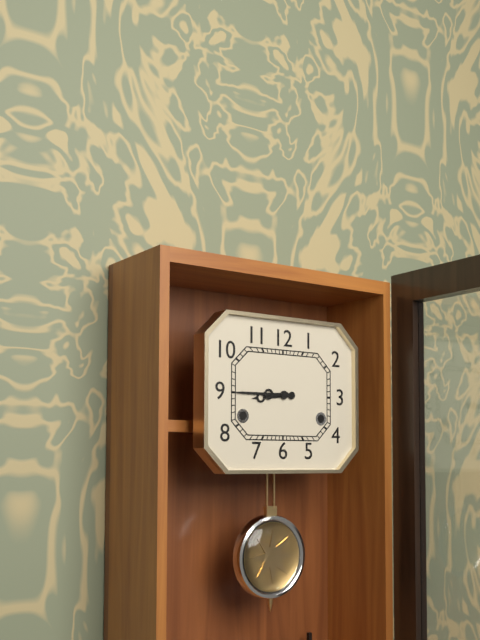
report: 8,45
